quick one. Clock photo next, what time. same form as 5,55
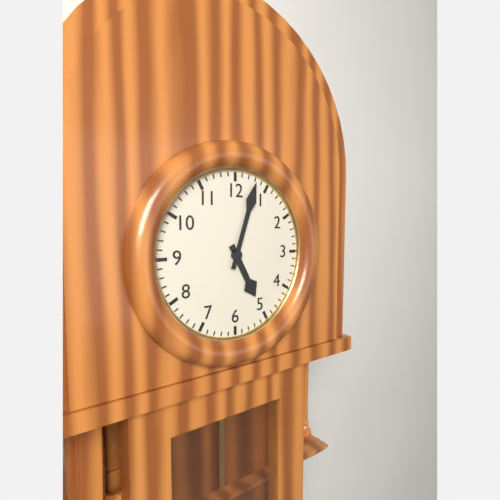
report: 5,03
